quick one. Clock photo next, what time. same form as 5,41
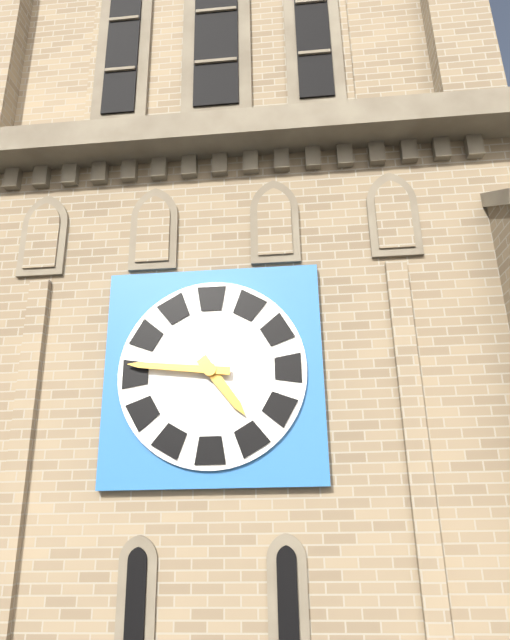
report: 4,46
